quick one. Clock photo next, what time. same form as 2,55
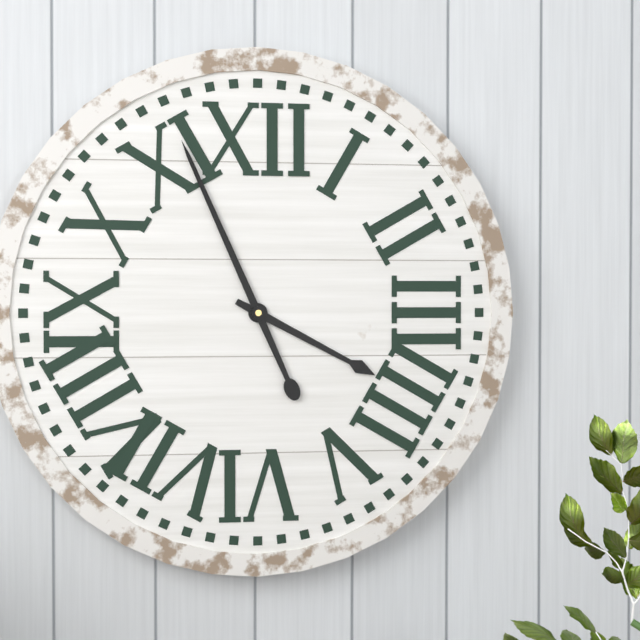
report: 3,56
